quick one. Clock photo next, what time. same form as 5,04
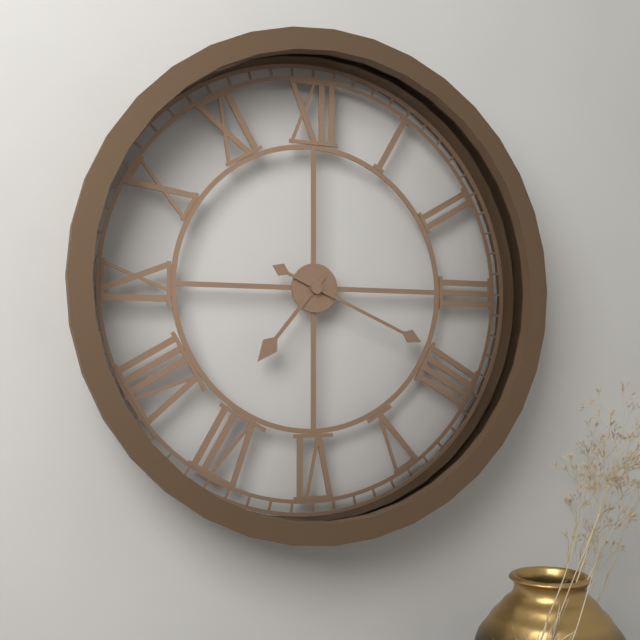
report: 7,19
